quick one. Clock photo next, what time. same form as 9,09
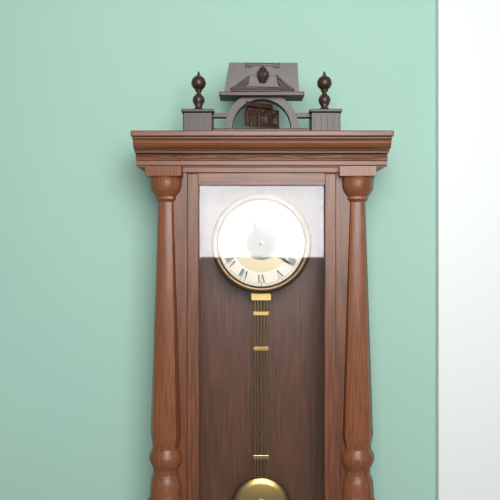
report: 11,21
